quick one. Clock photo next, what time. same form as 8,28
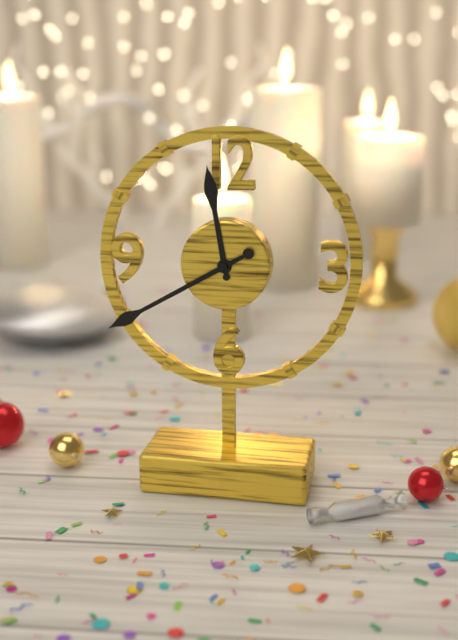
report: 11,40
